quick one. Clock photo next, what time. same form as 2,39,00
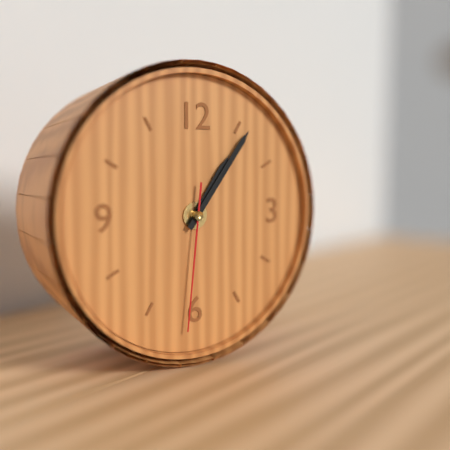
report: 1,06,31
